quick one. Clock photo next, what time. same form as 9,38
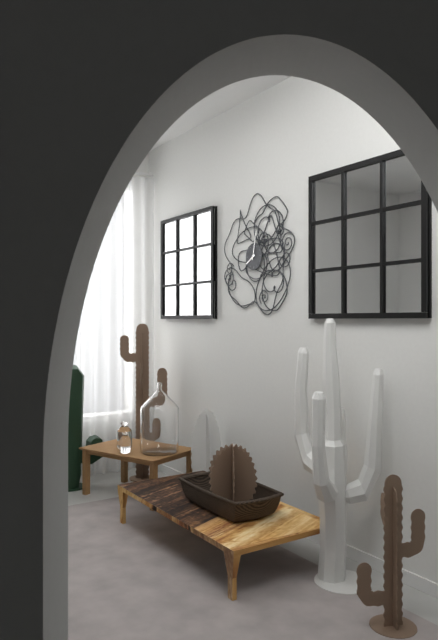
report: 8,02
